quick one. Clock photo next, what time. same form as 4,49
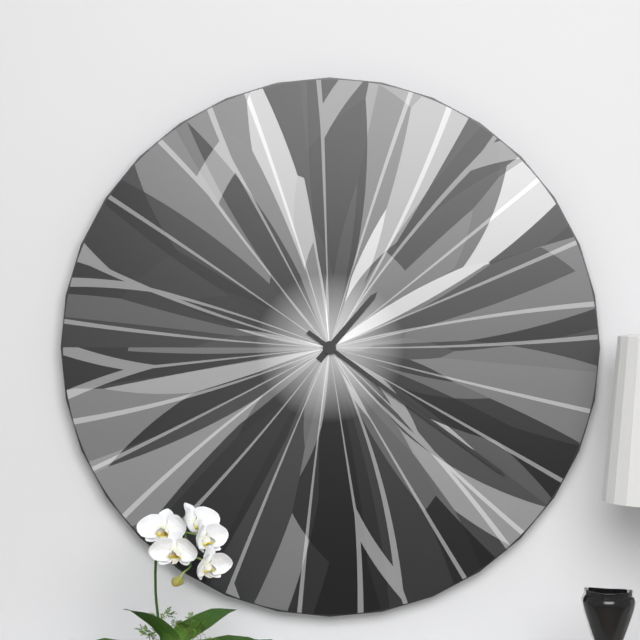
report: 1,21
